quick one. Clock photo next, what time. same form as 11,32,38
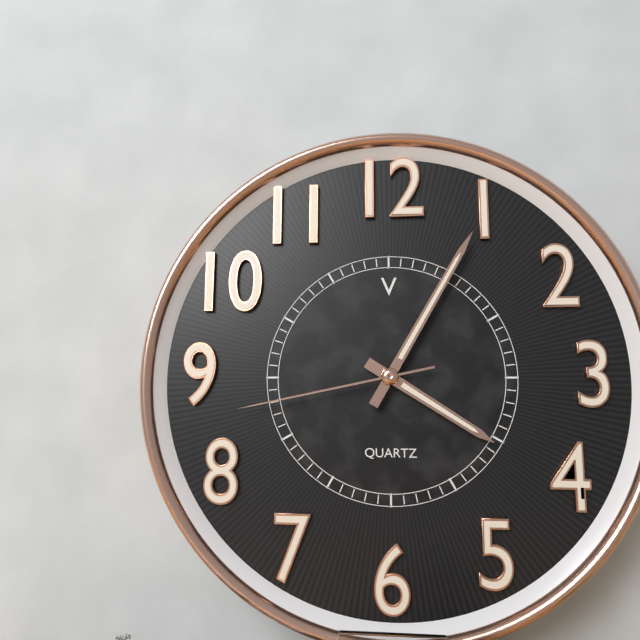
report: 4,05,43
